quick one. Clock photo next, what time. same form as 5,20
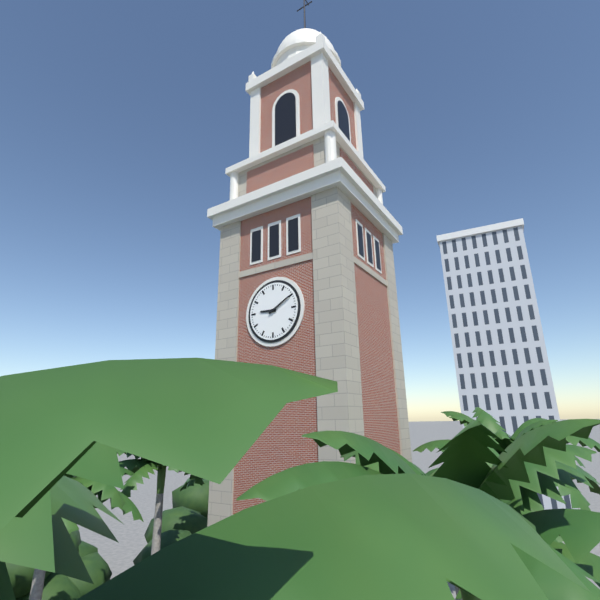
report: 9,10
